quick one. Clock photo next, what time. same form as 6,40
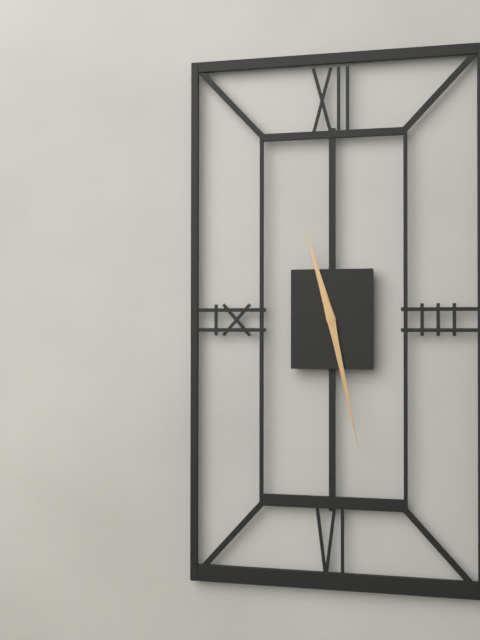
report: 11,28
